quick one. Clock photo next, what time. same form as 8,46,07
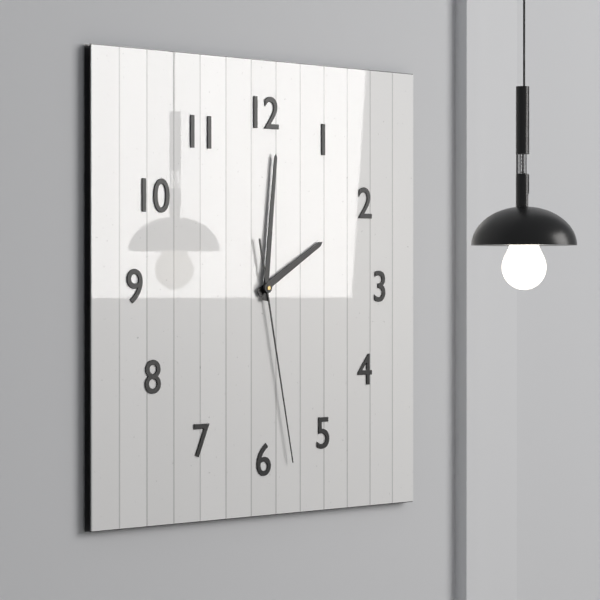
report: 2,01,28
